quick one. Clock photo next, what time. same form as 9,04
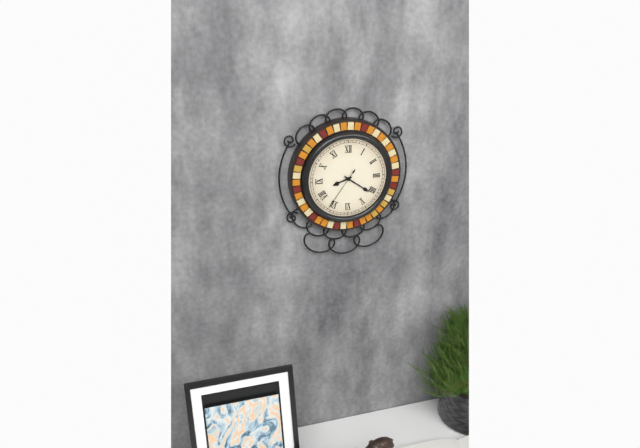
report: 8,21
